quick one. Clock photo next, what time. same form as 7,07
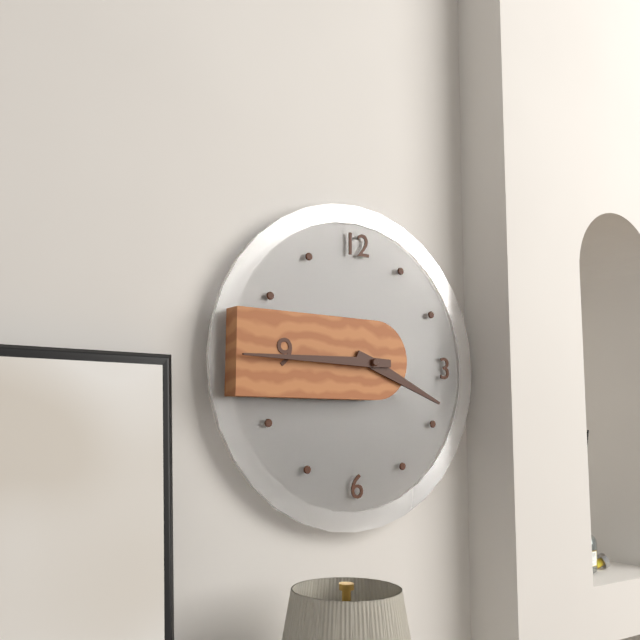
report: 3,45
